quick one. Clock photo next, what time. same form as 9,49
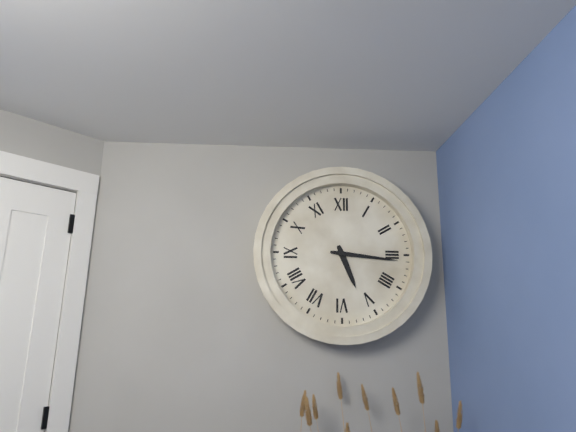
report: 5,16
